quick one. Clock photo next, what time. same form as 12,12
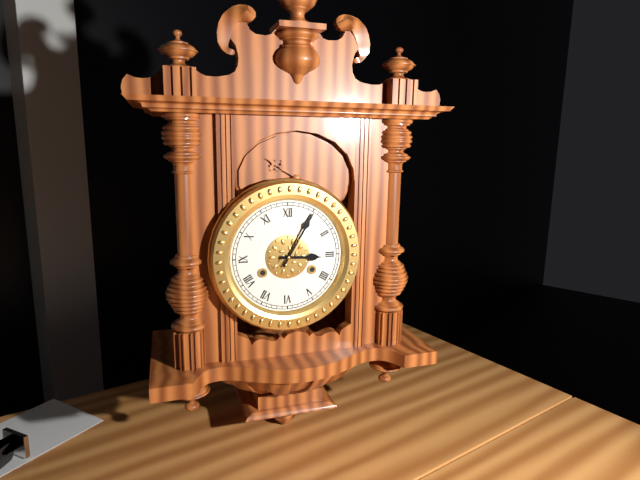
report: 3,05
